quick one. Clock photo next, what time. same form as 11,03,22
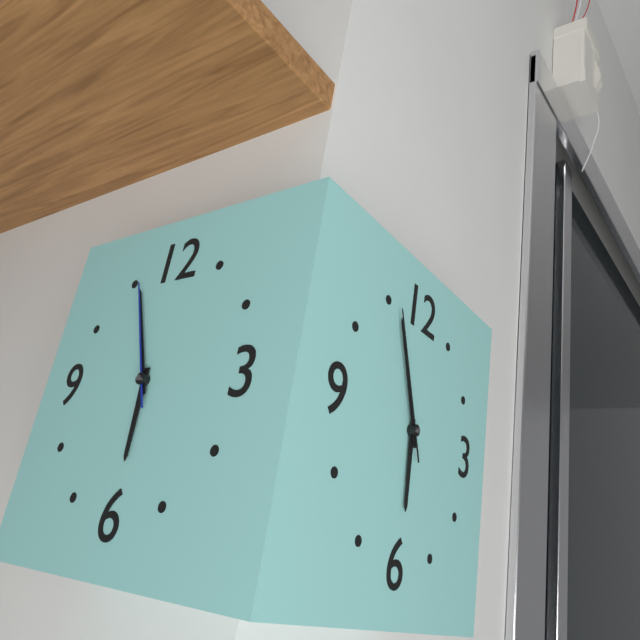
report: 5,56,56
